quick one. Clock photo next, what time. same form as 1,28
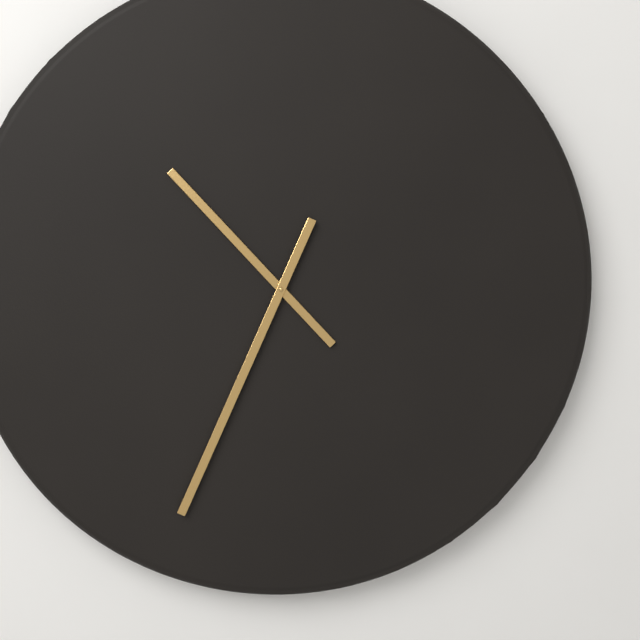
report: 10,34
